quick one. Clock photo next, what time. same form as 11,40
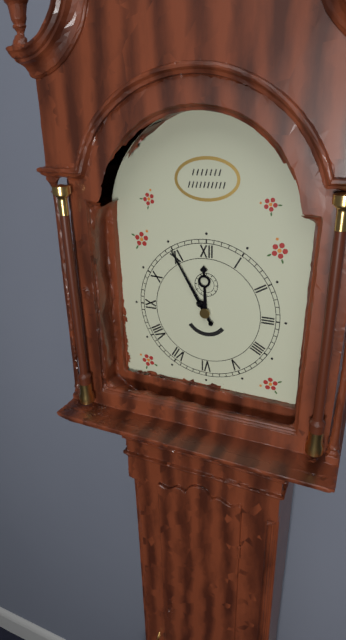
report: 11,55
